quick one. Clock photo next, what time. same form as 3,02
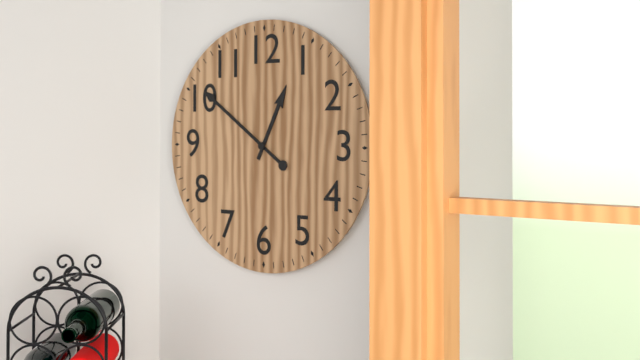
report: 12,51
